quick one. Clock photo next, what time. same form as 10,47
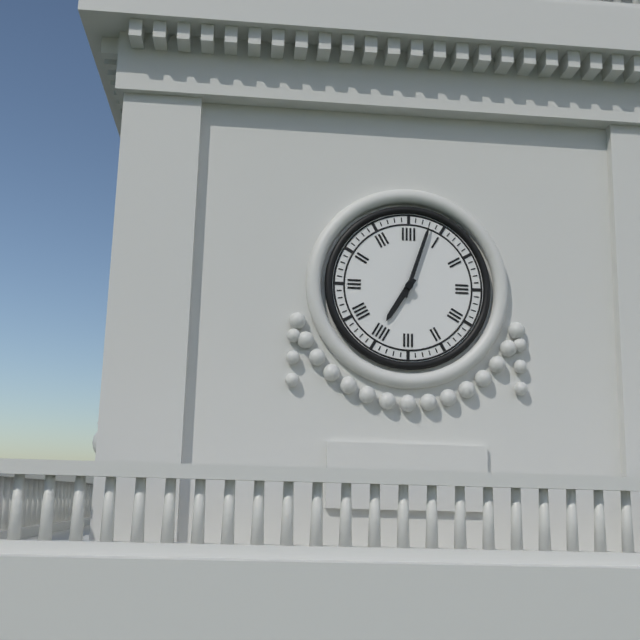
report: 7,03
